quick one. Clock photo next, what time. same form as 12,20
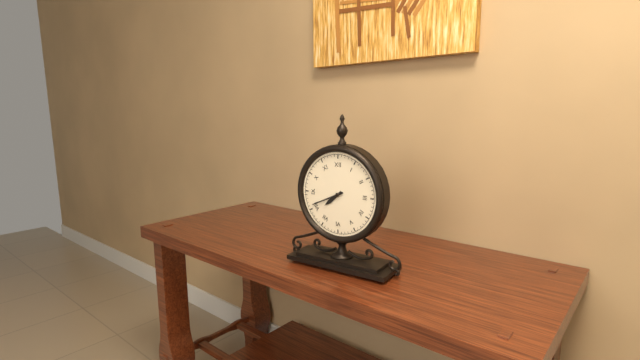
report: 7,41
